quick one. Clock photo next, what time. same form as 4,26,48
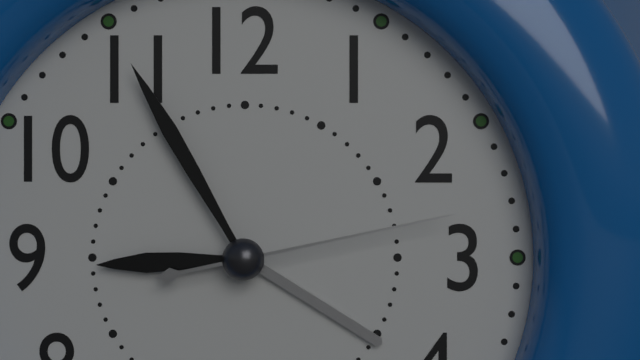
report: 8,55,13
